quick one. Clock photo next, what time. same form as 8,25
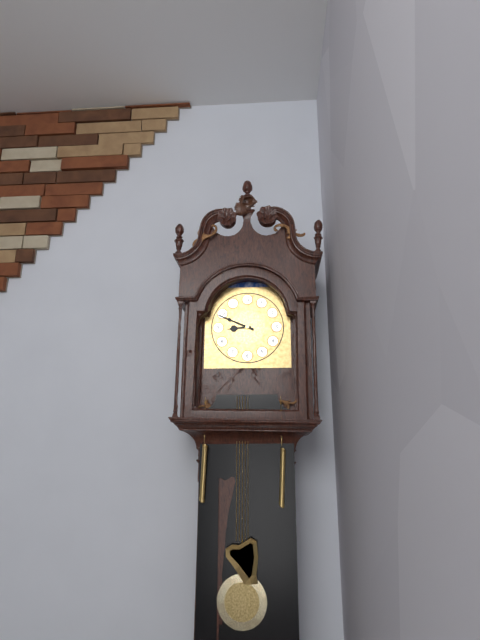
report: 8,49
